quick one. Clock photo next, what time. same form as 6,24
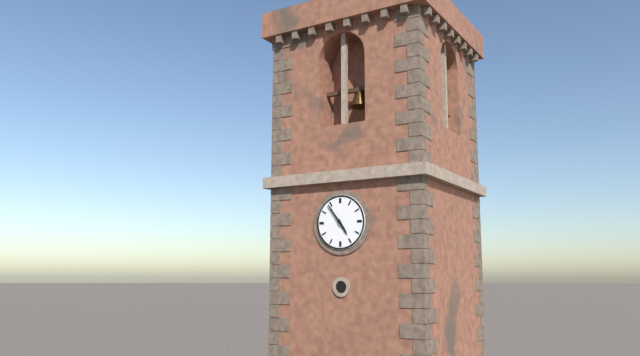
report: 4,54
